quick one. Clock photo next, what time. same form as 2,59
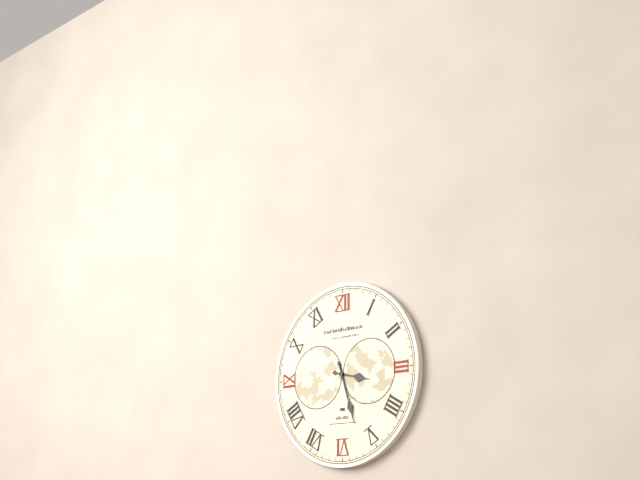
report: 3,27
